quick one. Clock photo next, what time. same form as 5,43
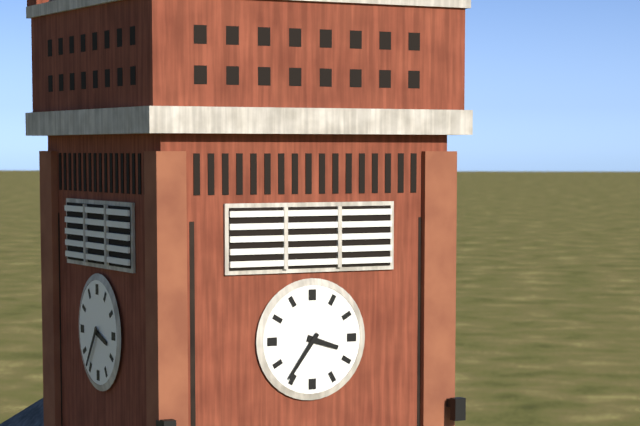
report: 3,36
